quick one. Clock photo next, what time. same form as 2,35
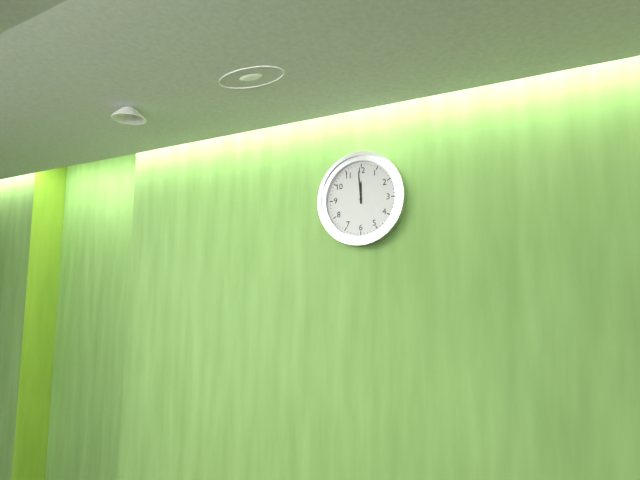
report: 11,59
